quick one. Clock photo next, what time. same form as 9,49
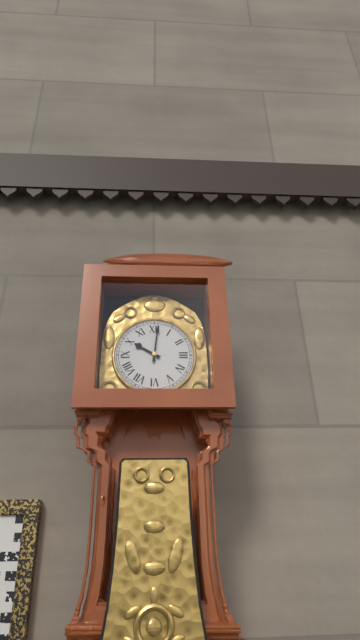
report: 10,01
